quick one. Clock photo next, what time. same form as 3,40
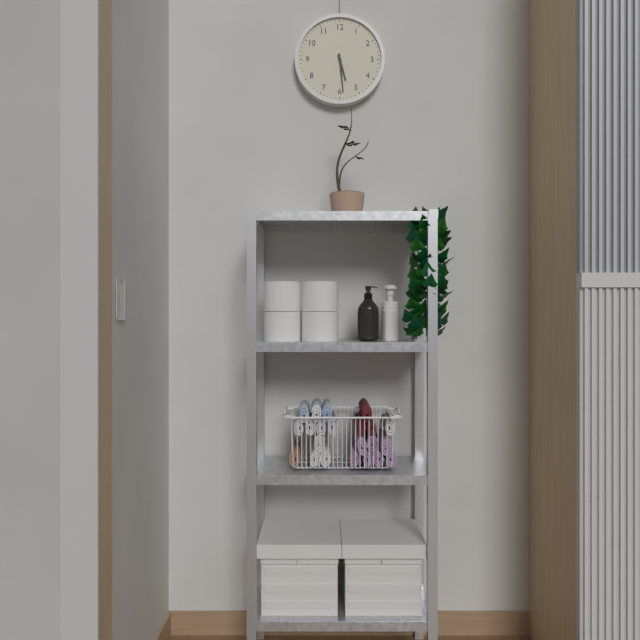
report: 5,29
